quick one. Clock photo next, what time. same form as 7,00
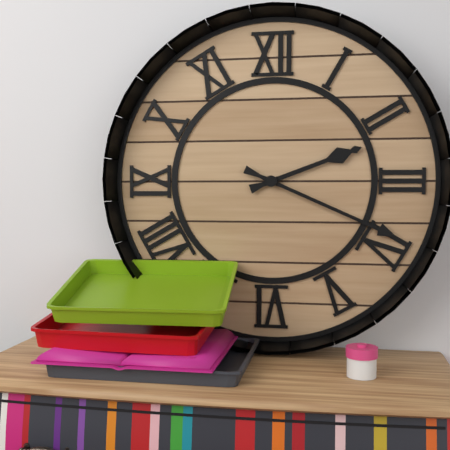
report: 2,19
